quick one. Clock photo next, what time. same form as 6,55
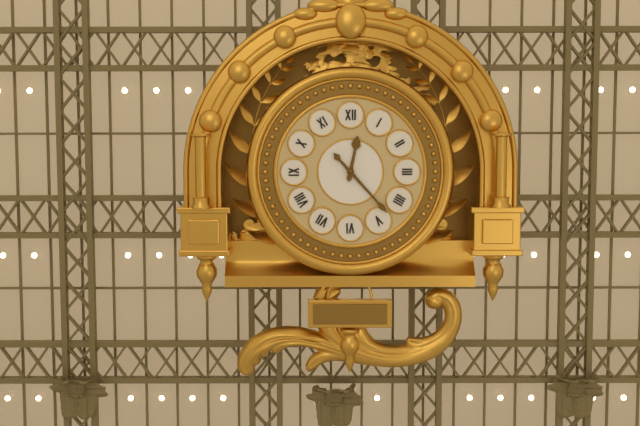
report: 12,23
